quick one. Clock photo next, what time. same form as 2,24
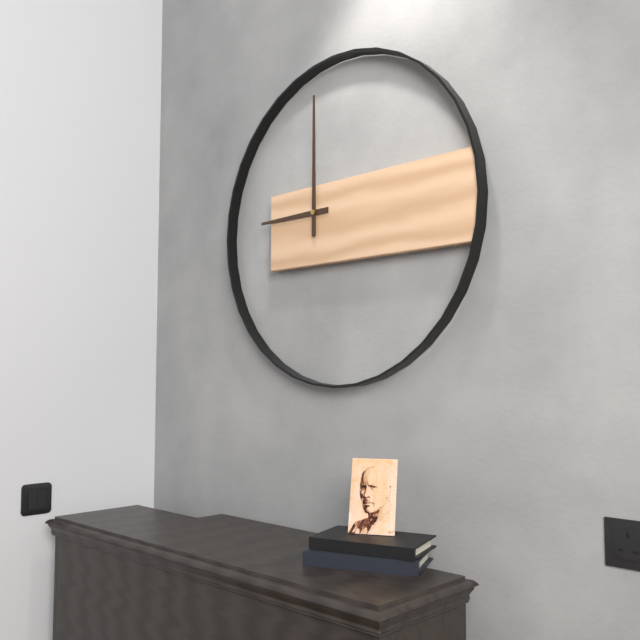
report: 9,00
